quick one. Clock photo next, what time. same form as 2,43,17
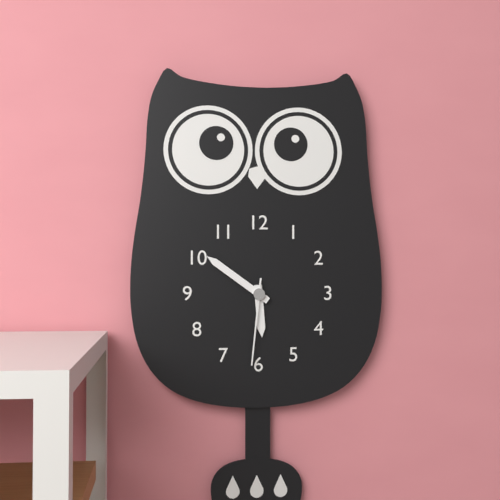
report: 5,51,31
